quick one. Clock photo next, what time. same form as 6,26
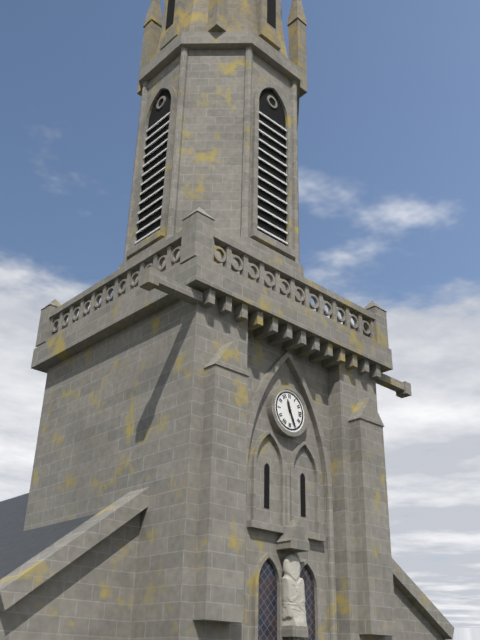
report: 11,26
